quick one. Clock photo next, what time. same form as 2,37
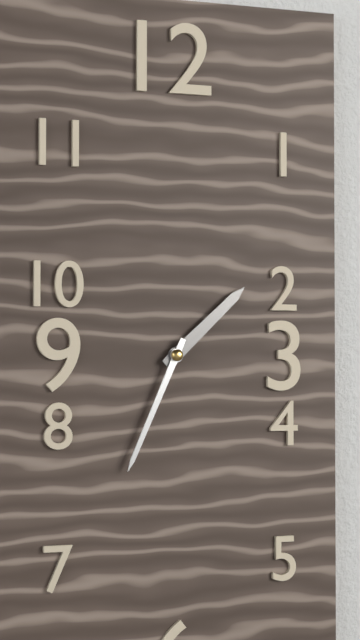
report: 1,34
